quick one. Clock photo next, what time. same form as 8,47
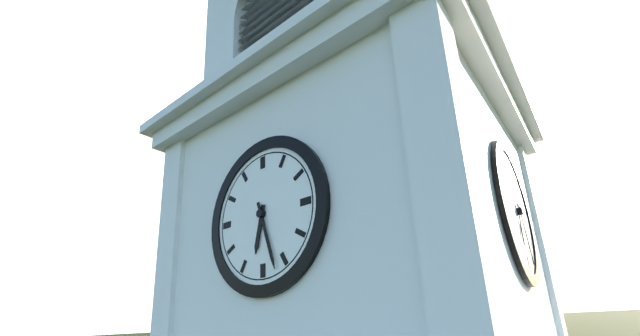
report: 6,27
